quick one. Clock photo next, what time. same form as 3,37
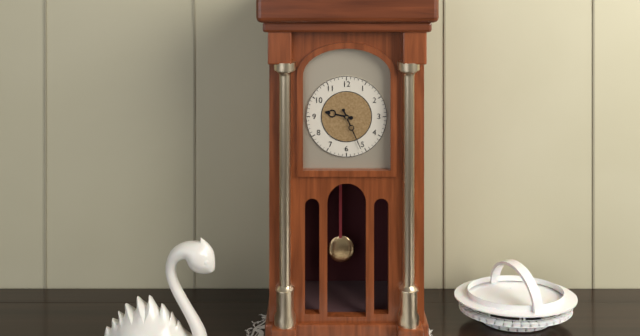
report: 9,26
